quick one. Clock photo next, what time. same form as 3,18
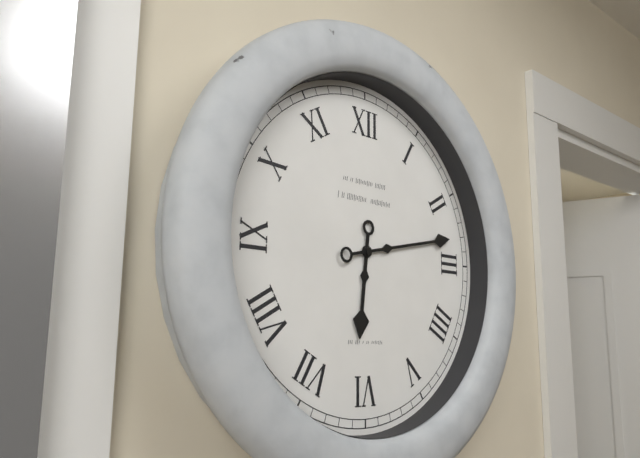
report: 6,13
